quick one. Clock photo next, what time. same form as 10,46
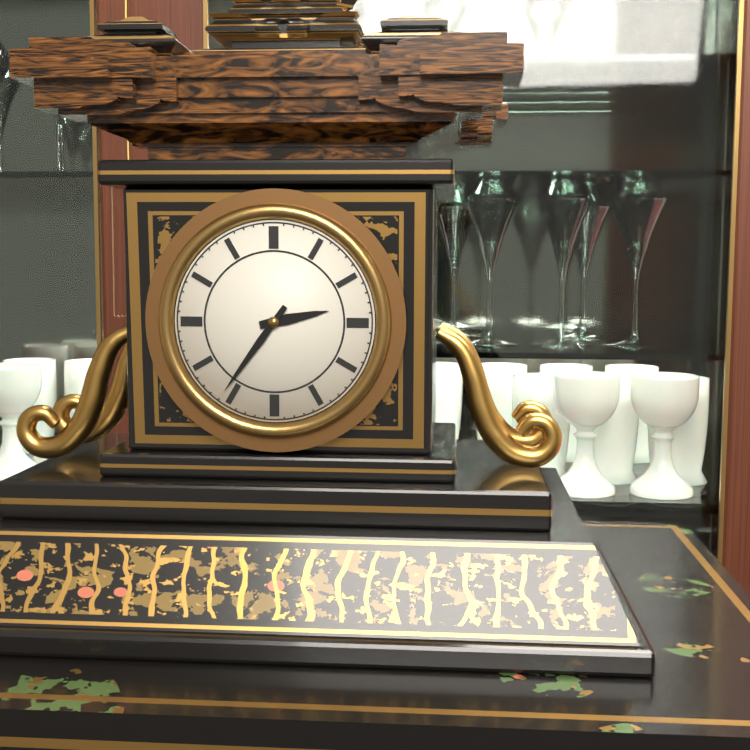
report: 2,36
